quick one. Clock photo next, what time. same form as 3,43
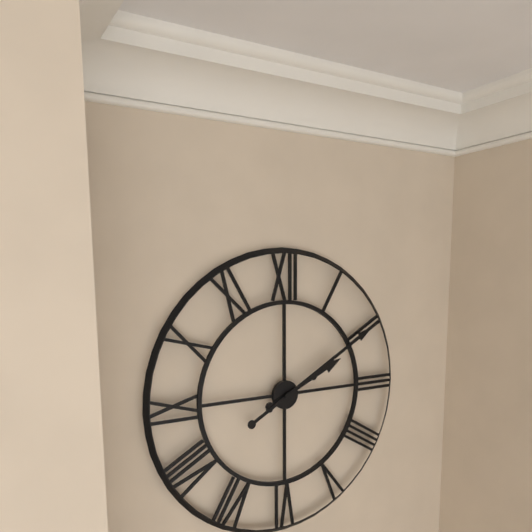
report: 2,10
